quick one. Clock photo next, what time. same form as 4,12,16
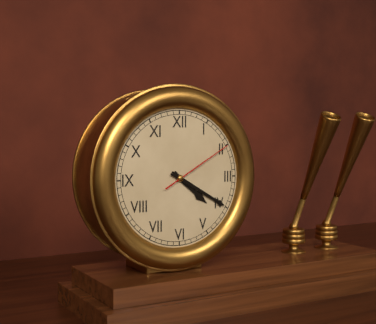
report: 4,20,10
